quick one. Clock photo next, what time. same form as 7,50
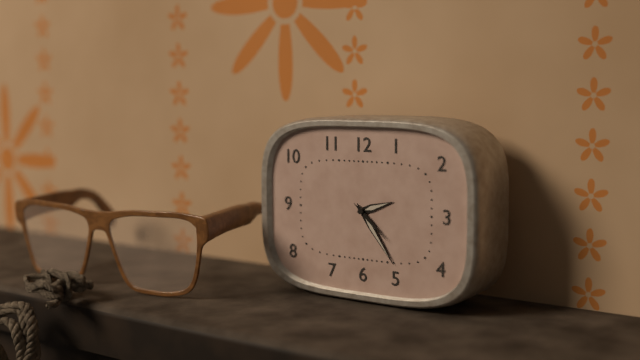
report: 2,24
